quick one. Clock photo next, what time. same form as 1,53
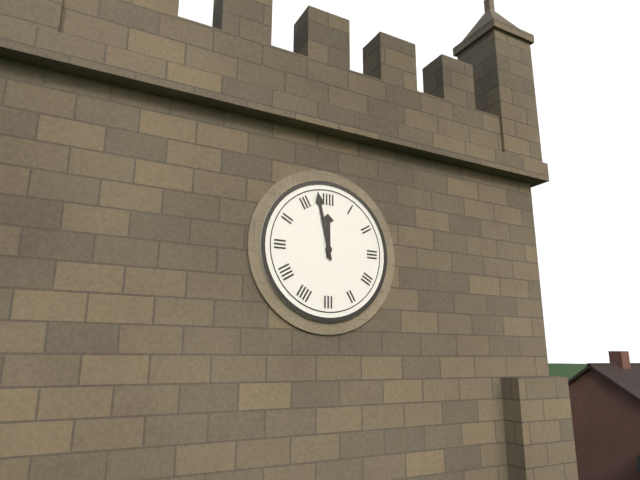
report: 11,58
